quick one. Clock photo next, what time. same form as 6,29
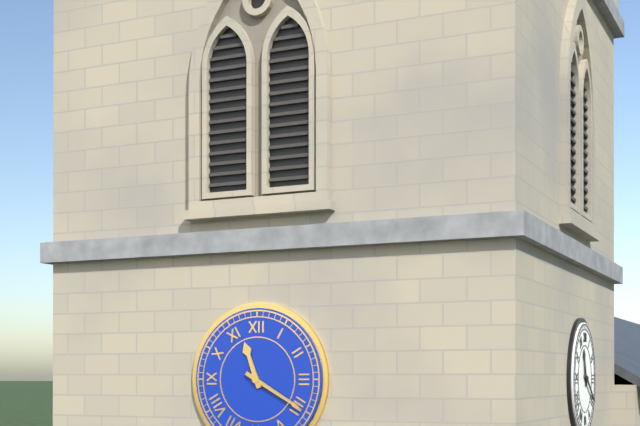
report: 11,20
